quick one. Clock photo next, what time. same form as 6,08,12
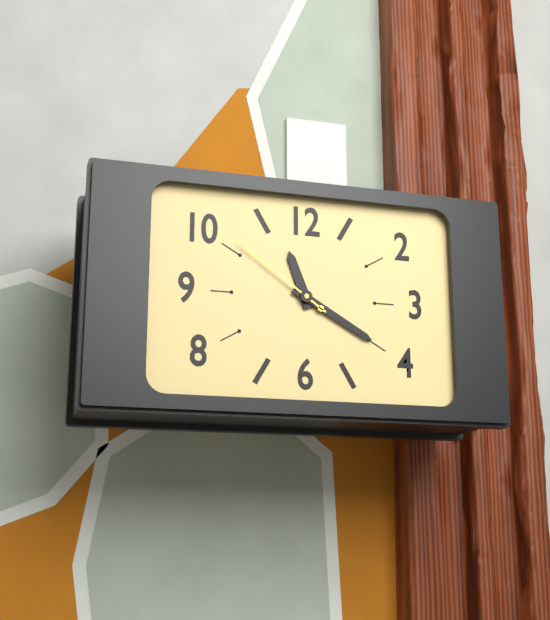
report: 11,20,51
